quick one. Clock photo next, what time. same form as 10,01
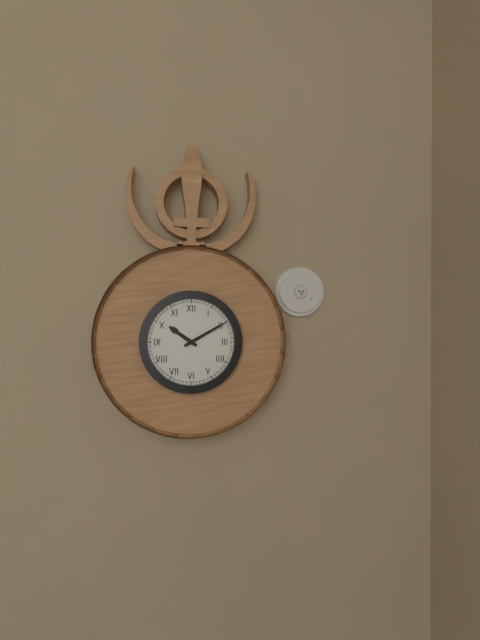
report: 10,10
